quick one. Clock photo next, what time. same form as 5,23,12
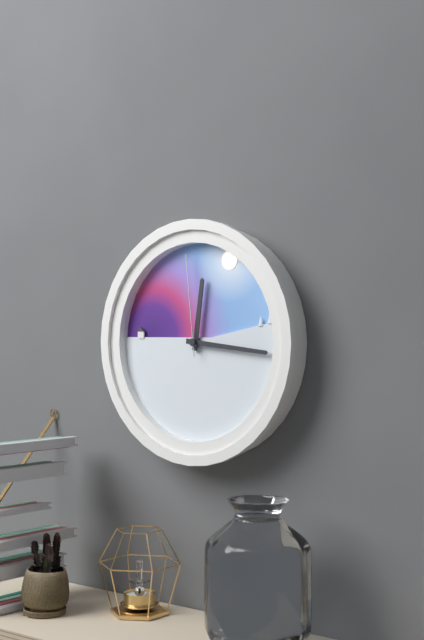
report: 12,16,59
